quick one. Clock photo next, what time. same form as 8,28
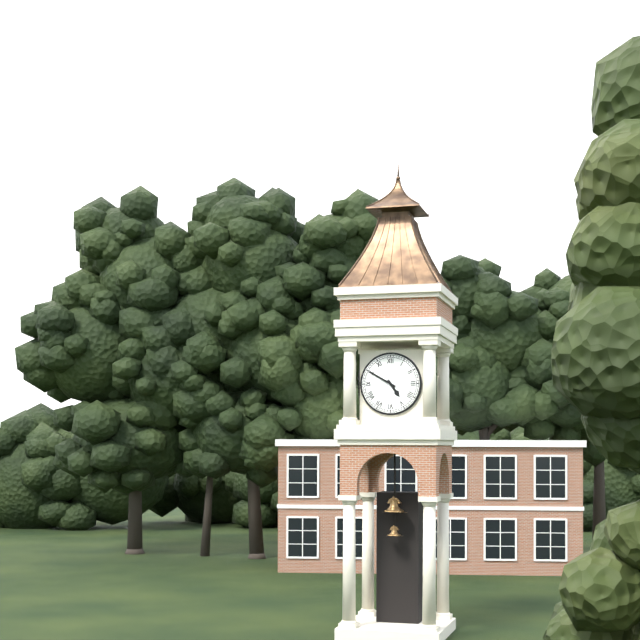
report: 4,50
